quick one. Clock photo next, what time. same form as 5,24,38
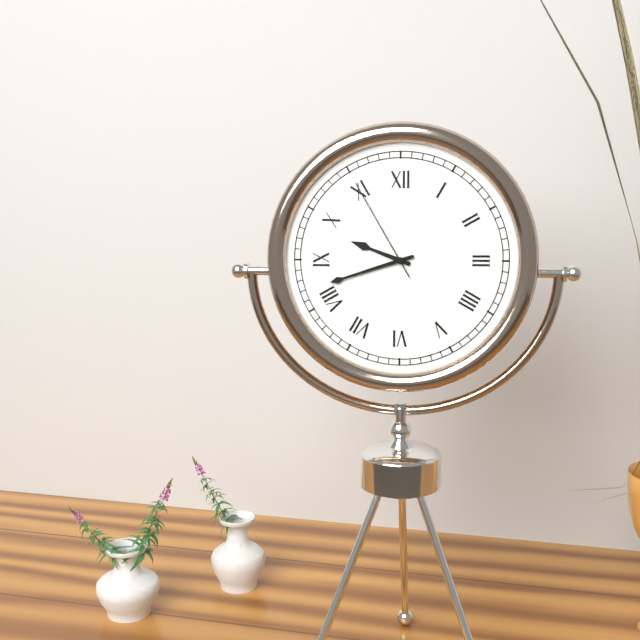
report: 9,42,55
